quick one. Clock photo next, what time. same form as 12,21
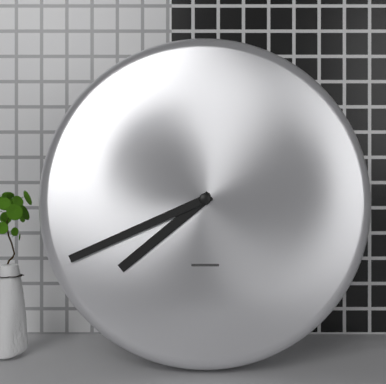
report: 7,41
